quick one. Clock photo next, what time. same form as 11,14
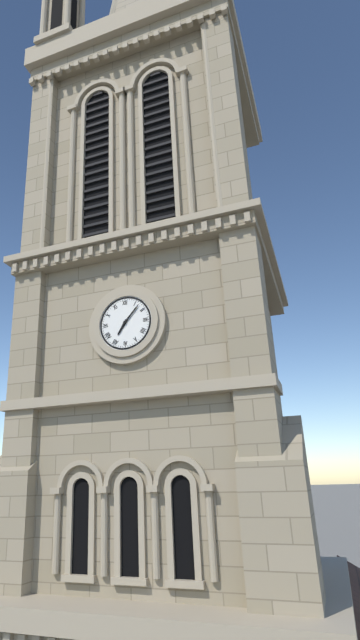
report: 7,07
